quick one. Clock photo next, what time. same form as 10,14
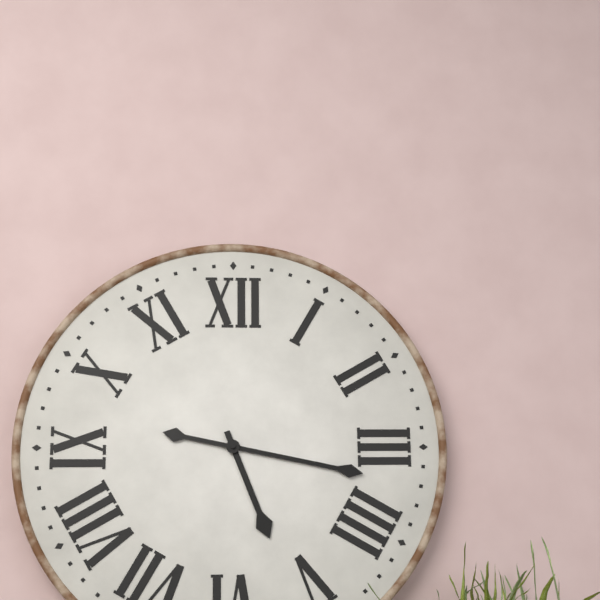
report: 5,17
